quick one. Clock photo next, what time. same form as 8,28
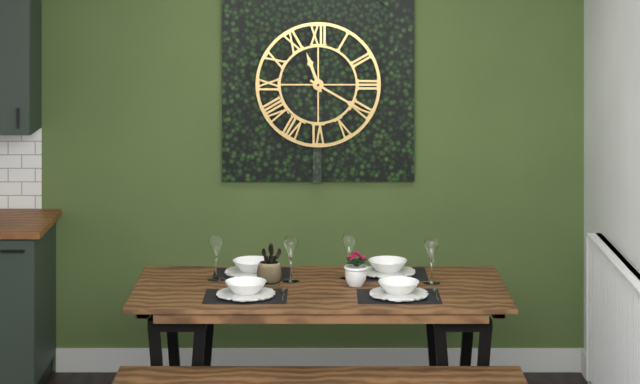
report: 11,20
